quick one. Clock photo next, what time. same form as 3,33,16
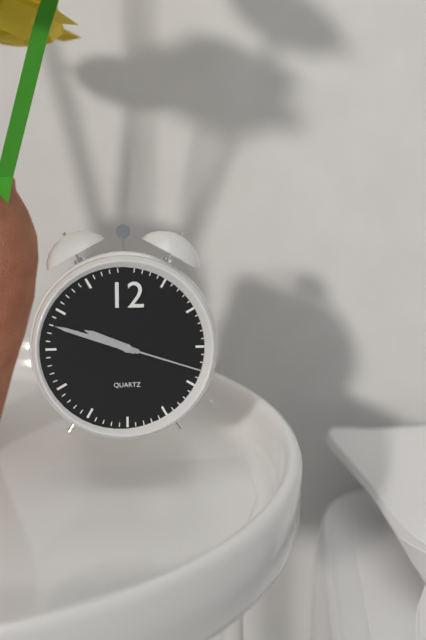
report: 9,48,18
